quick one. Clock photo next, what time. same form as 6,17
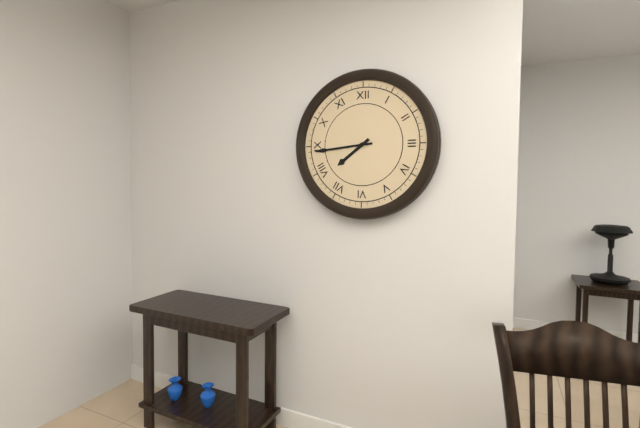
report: 7,44
